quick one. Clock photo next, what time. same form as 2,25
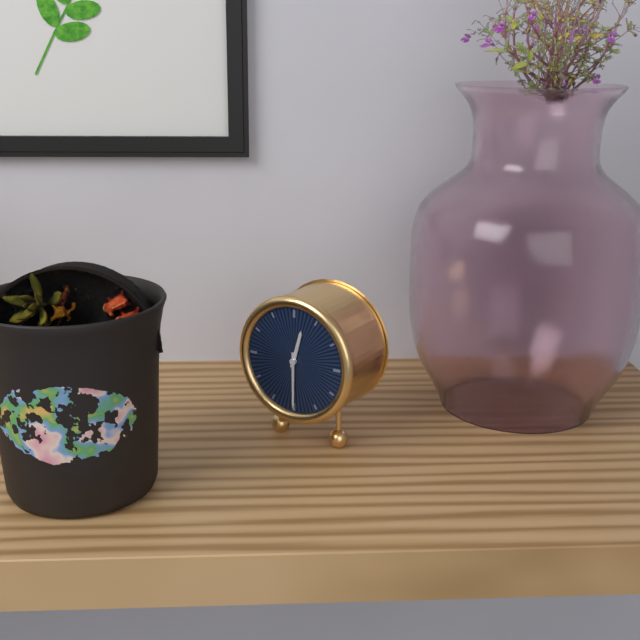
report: 12,30
